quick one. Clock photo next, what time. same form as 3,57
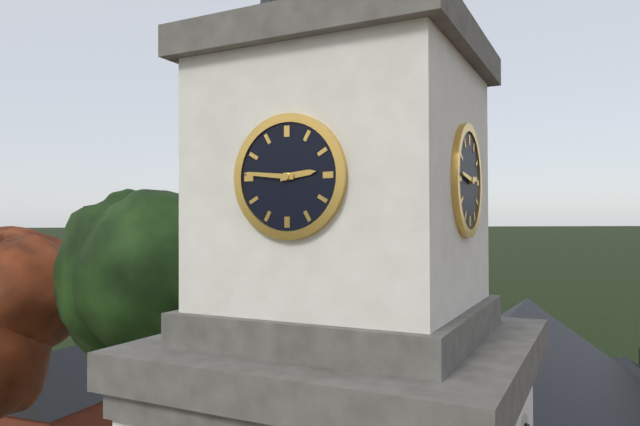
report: 2,46
